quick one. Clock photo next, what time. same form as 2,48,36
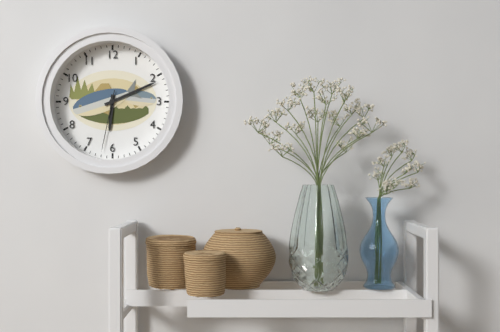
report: 6,11,32
